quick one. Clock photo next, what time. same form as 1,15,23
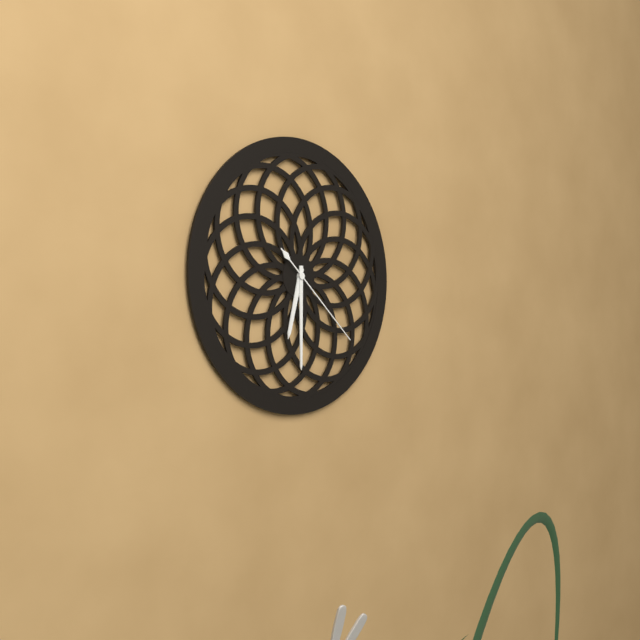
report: 6,30,22
